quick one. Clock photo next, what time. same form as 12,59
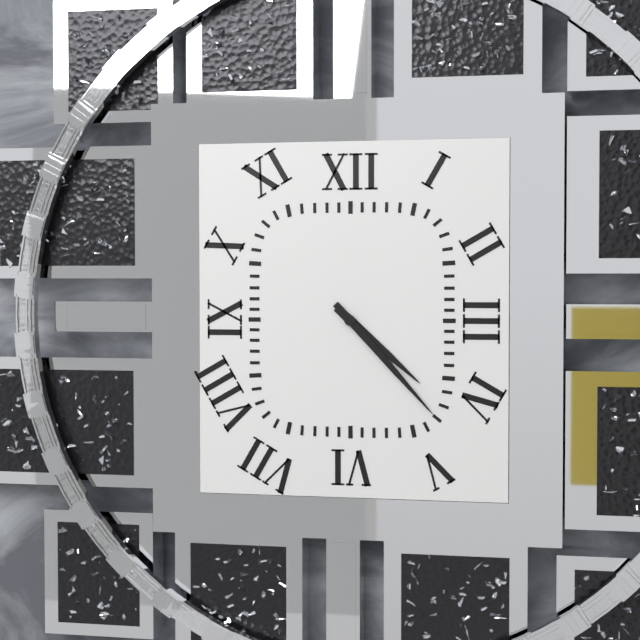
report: 4,23
